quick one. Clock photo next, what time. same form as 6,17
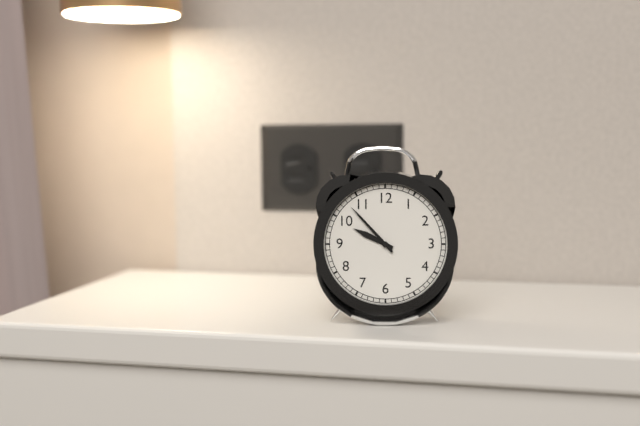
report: 9,53
